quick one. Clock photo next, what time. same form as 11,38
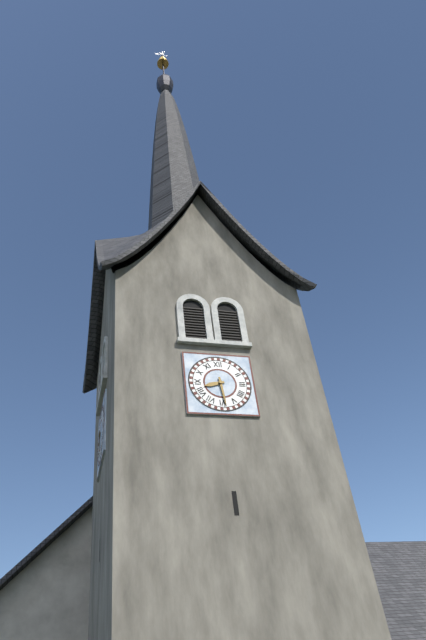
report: 8,29
